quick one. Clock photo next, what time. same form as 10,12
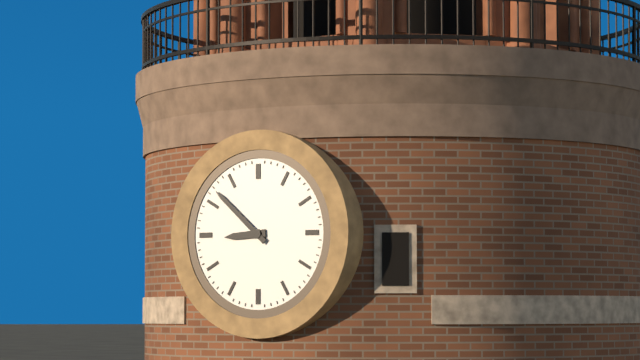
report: 8,52
